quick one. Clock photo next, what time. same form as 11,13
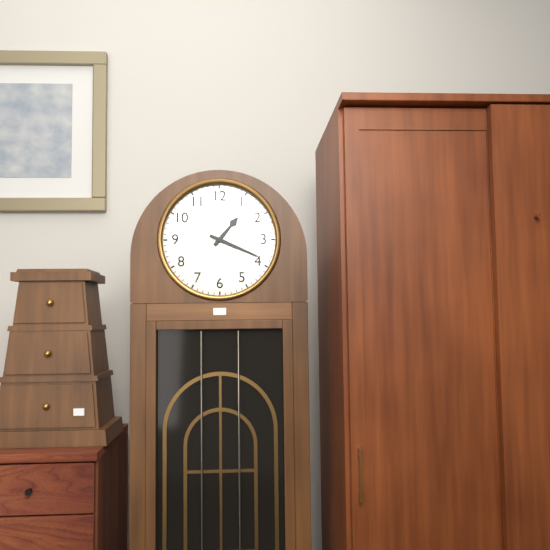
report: 1,19
